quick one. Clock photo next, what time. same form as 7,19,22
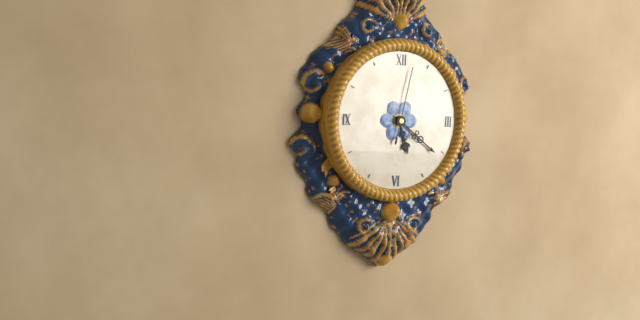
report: 5,21,02
